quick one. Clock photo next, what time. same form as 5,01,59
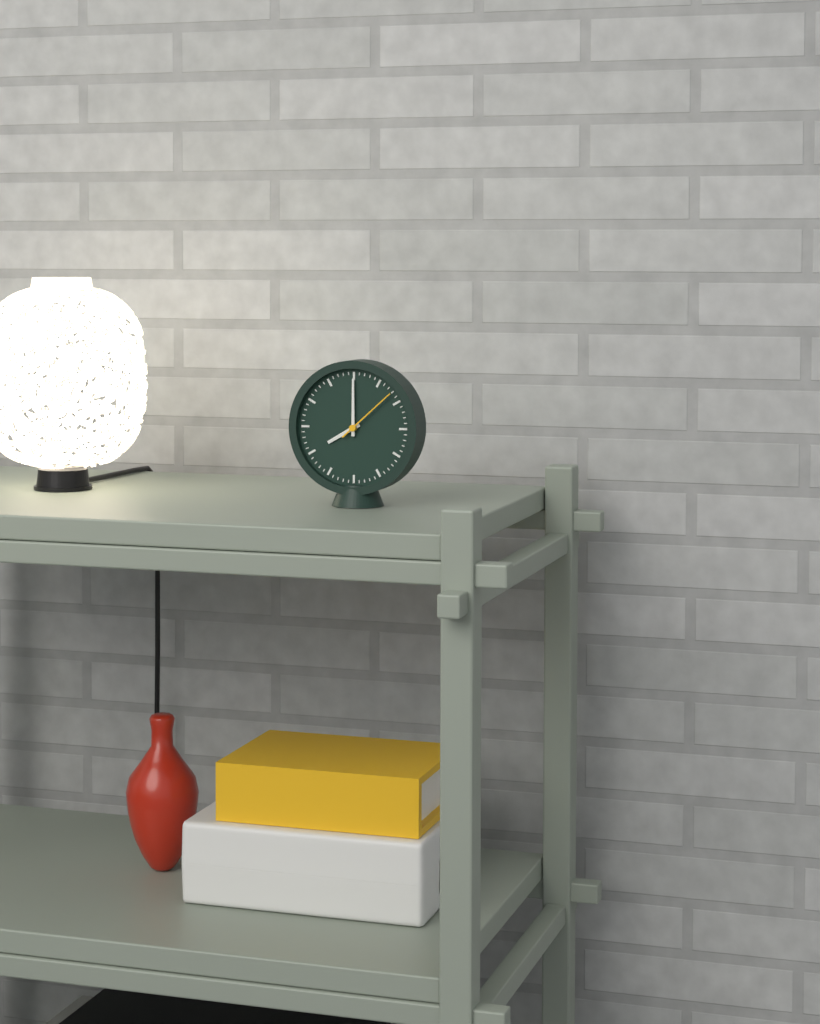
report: 8,00,08
